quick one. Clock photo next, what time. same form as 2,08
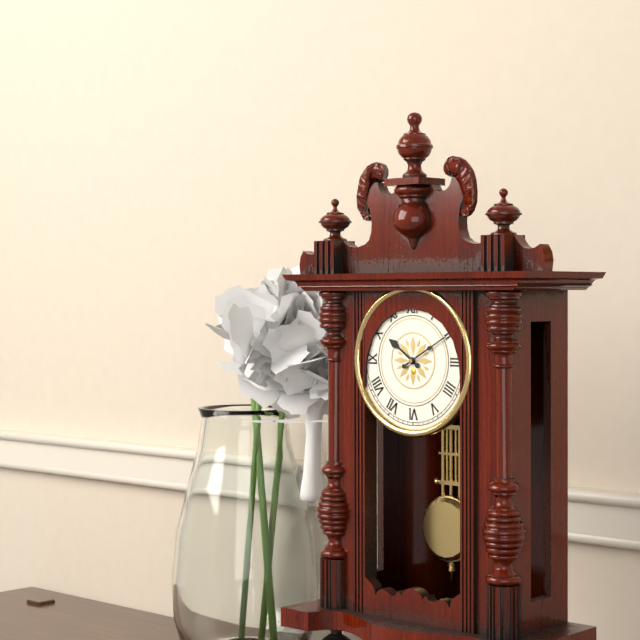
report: 10,10
